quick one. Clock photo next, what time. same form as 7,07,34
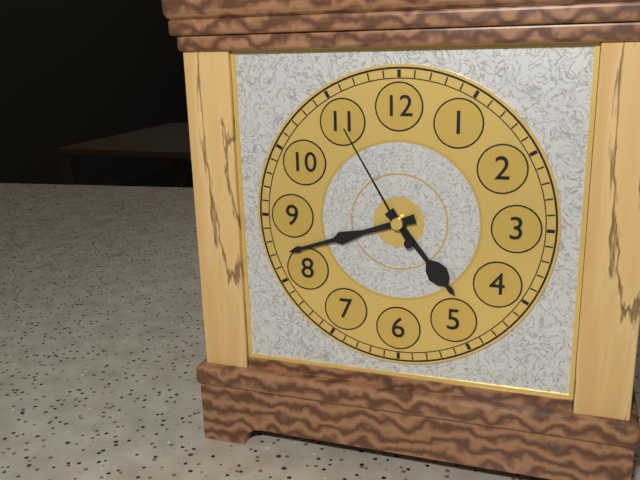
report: 4,42,55
